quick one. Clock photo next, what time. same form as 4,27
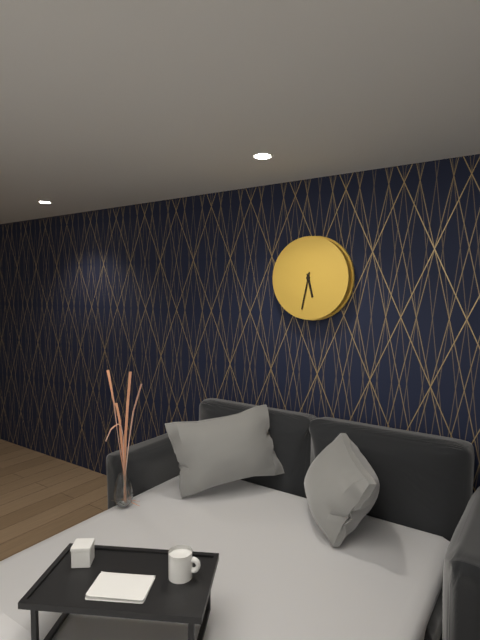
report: 5,32
